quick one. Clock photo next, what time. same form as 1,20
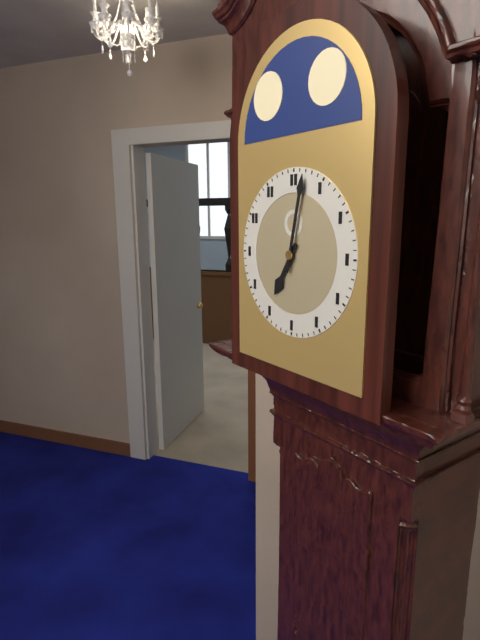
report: 7,02
